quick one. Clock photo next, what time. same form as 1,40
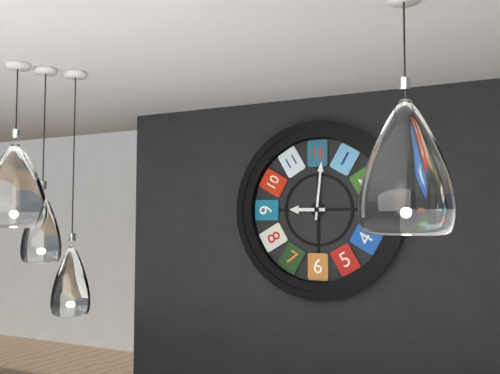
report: 9,01
